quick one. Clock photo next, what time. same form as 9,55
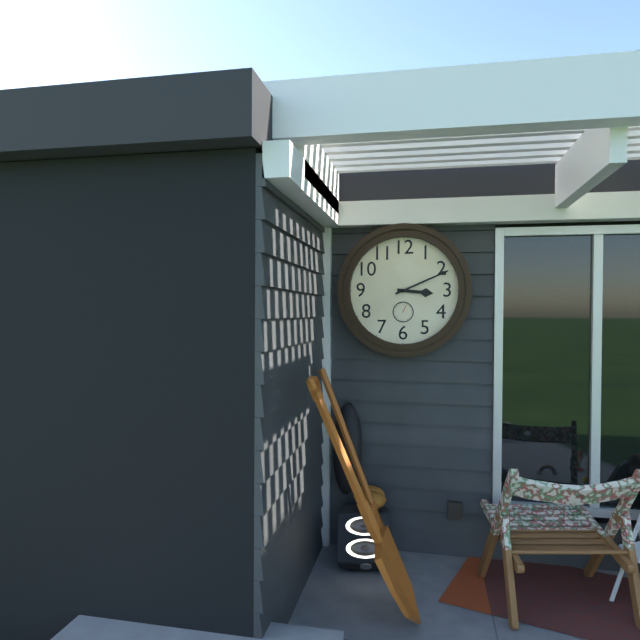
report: 3,11
